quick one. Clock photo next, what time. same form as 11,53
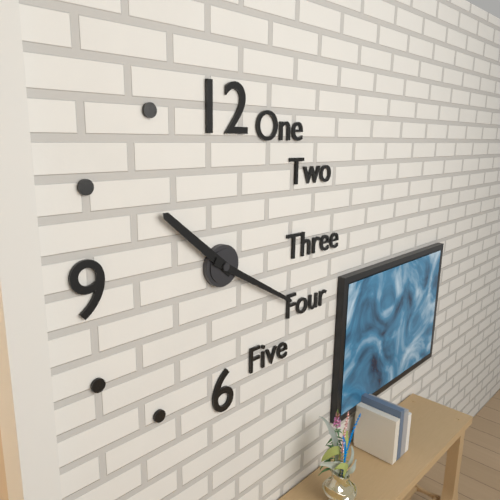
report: 10,20
